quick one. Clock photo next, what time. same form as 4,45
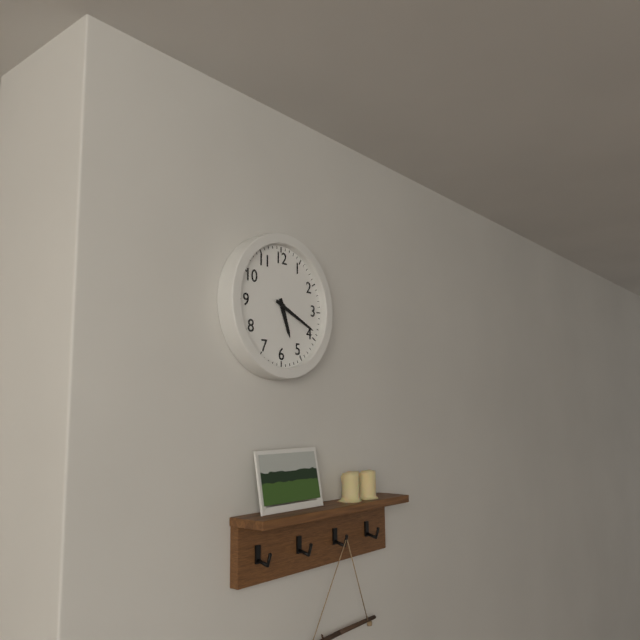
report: 5,19
